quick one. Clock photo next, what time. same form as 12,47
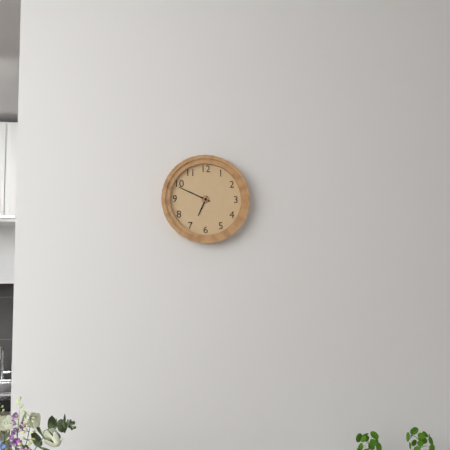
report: 6,49
